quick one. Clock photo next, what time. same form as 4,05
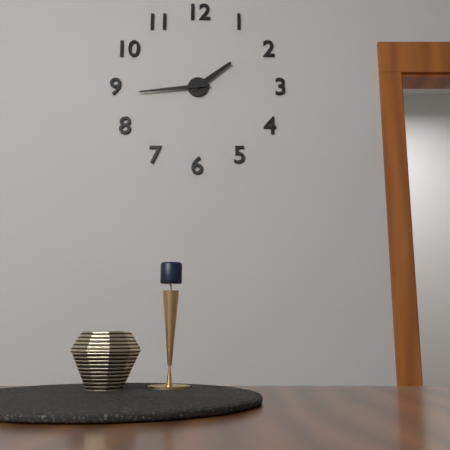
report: 1,44
